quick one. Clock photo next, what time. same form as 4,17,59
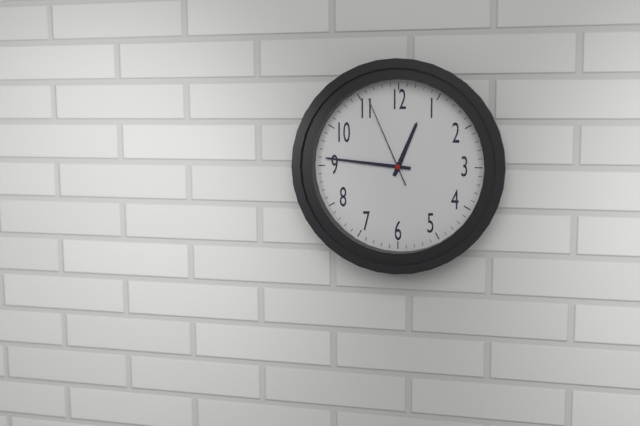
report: 12,46,56
